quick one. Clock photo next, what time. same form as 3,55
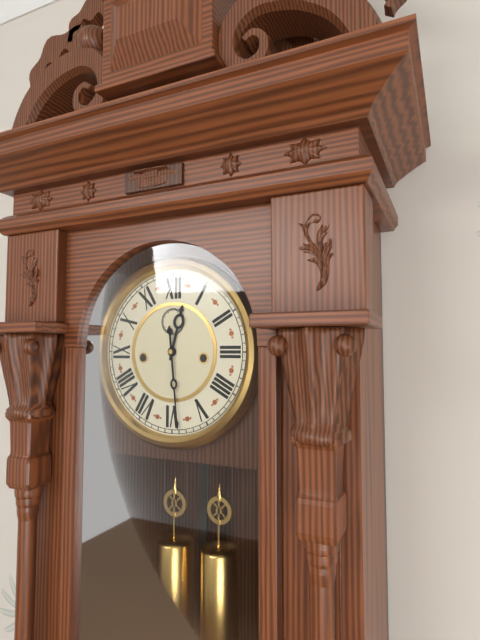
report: 12,29
